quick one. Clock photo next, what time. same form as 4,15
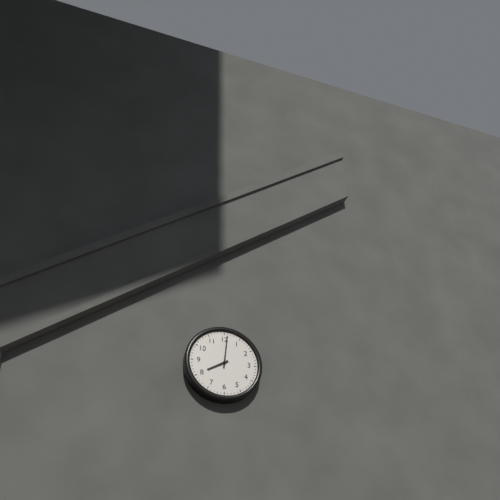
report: 8,01
